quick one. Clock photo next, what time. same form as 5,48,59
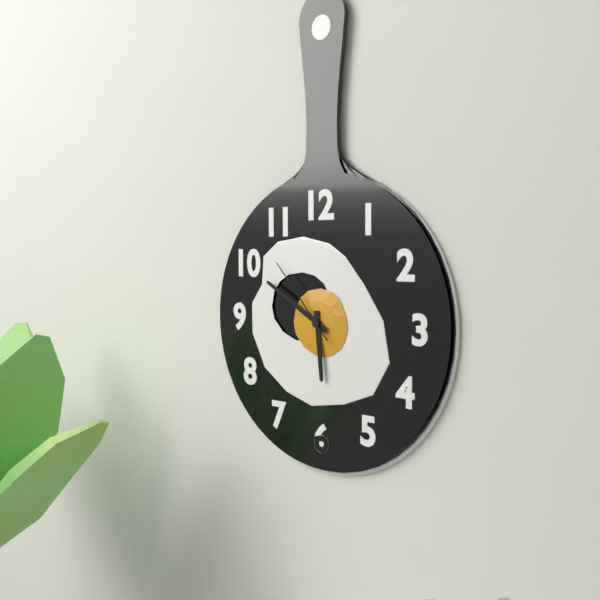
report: 5,50,53
